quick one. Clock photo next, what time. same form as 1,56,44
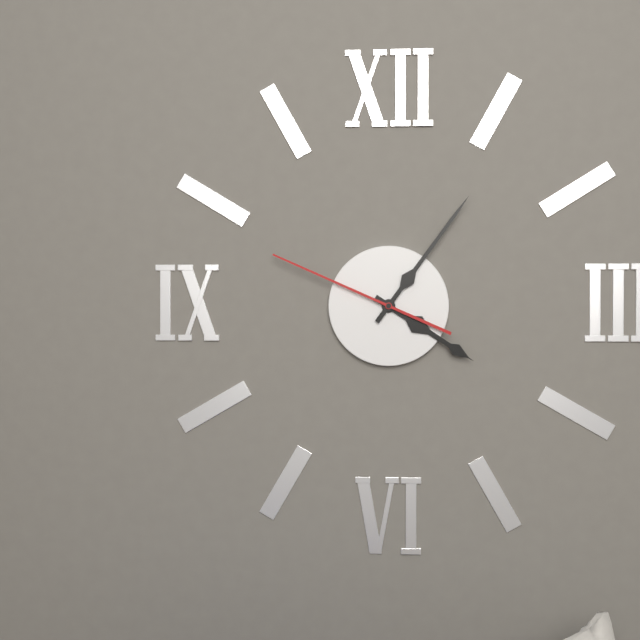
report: 4,06,49
